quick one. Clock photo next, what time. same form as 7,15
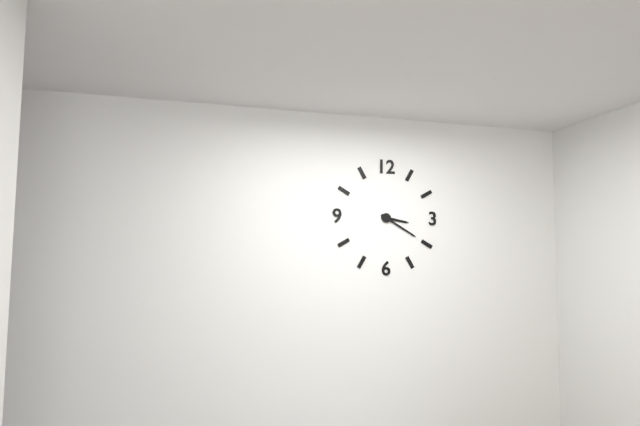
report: 3,20
